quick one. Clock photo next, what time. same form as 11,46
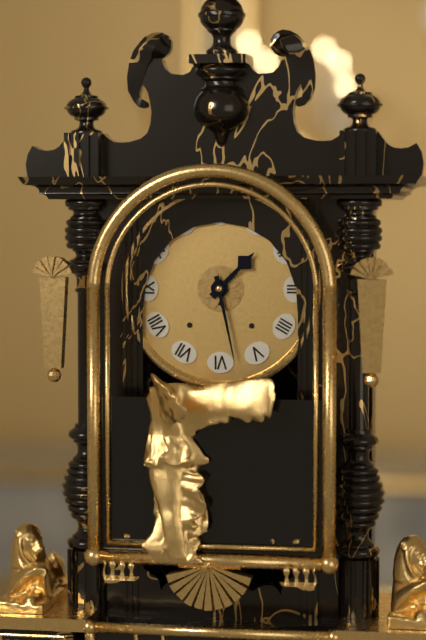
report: 1,28
